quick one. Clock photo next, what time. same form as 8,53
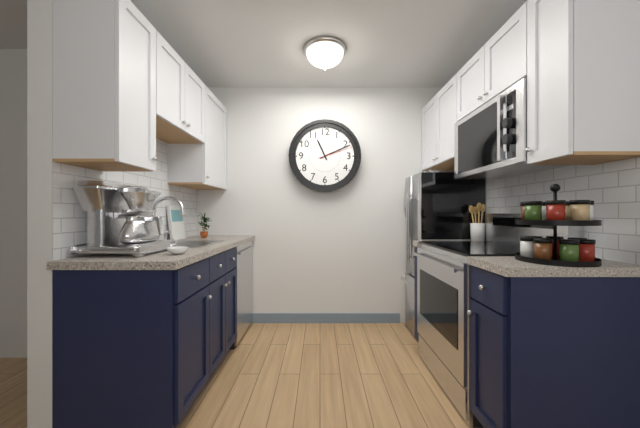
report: 11,11
